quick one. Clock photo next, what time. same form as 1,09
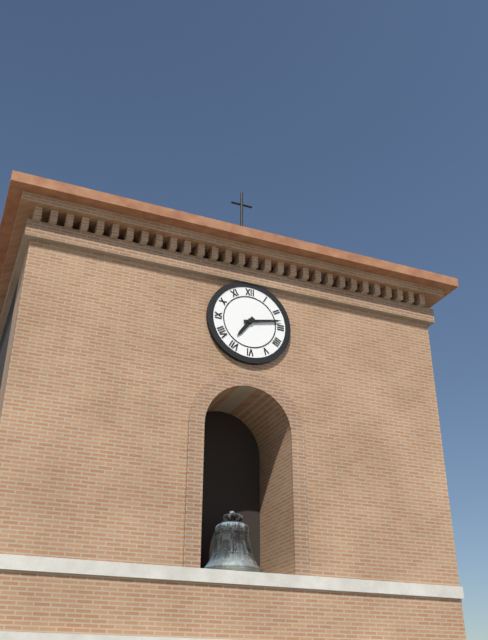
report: 7,13
